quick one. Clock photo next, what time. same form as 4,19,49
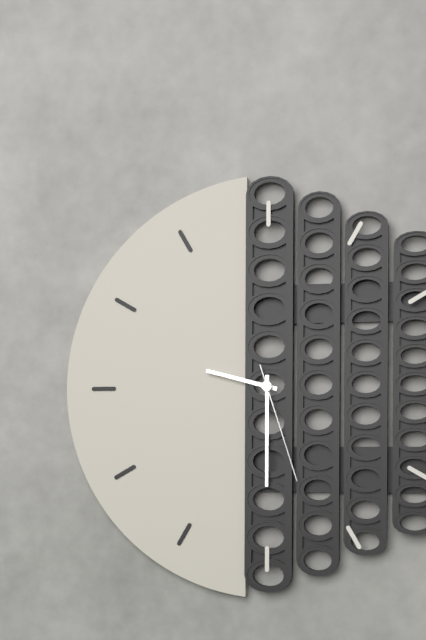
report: 9,30,27
